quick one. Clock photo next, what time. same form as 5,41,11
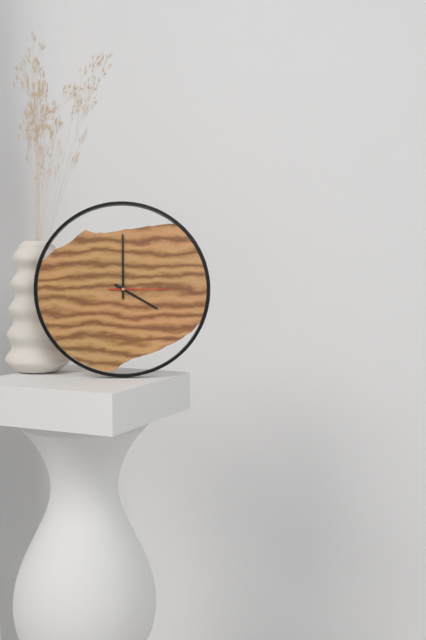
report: 4,00,15
